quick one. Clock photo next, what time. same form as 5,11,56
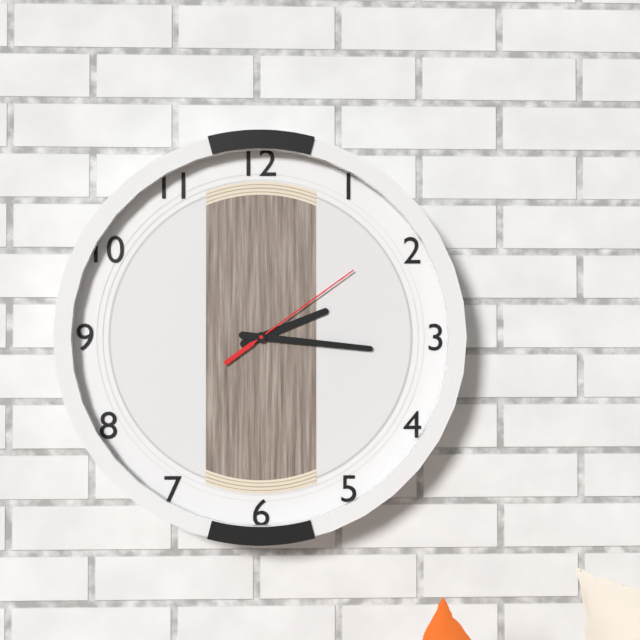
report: 2,16,09
